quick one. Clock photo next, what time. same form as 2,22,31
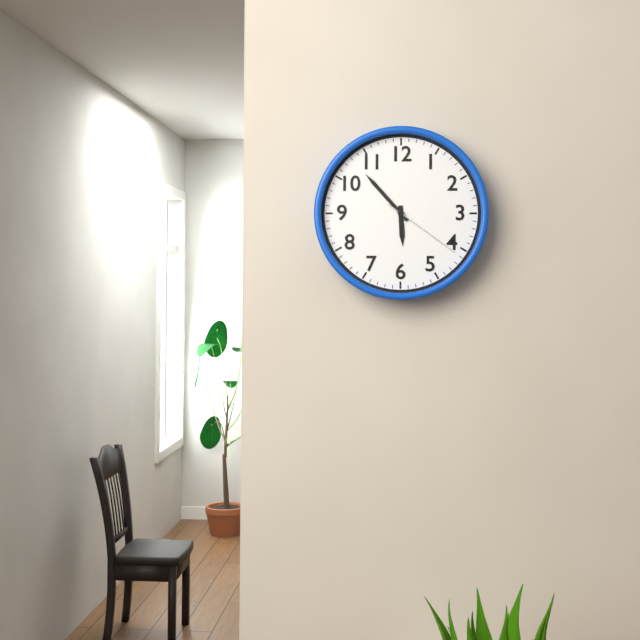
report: 5,53,21
